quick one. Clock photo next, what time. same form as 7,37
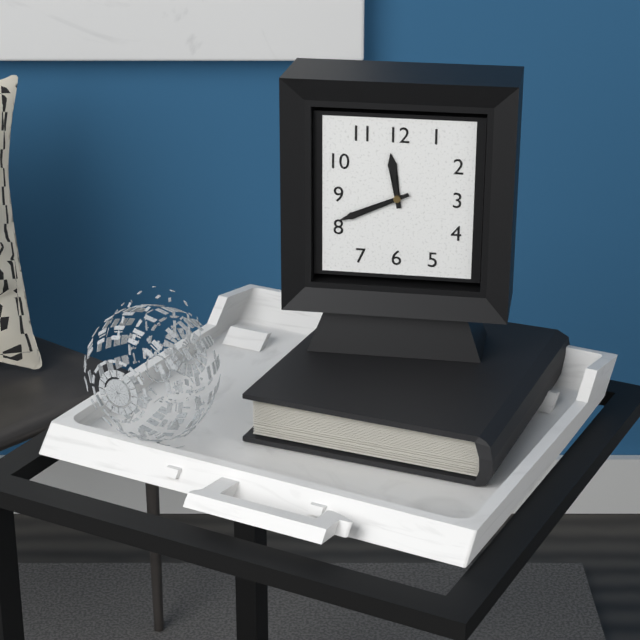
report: 11,41
